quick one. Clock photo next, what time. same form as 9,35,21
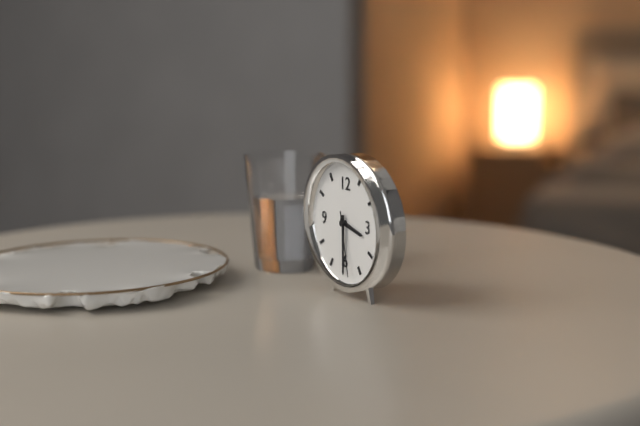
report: 3,30,28
